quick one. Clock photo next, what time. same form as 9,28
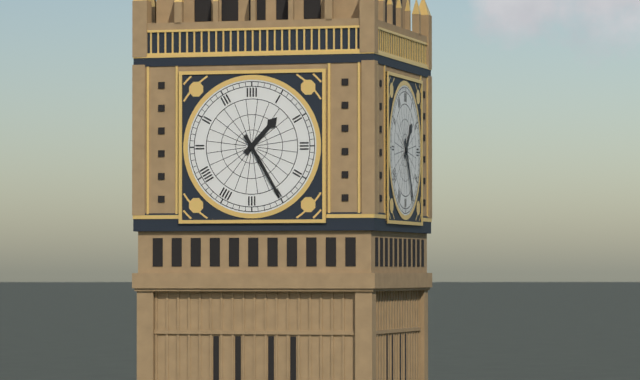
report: 1,25
